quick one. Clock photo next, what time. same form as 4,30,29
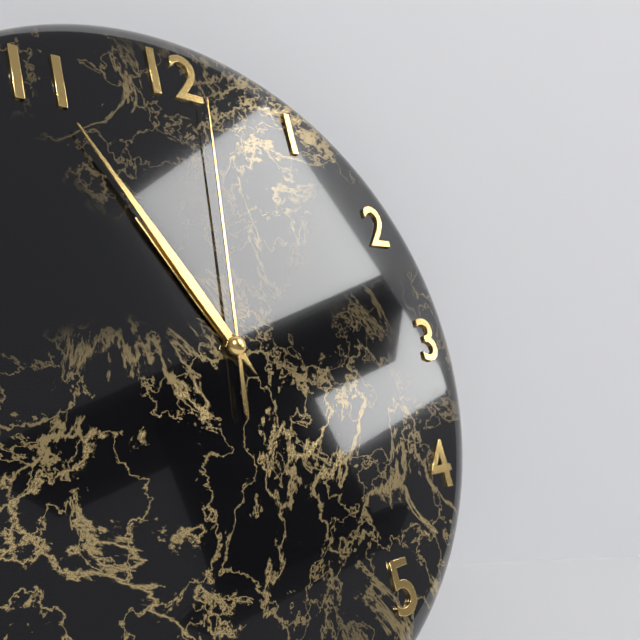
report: 10,55,01
